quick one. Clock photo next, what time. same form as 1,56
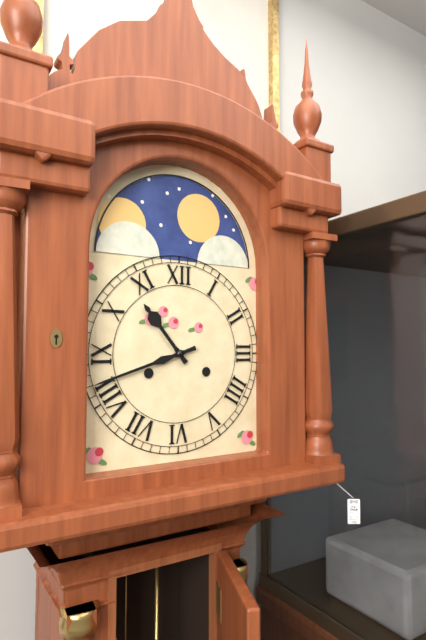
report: 10,42
